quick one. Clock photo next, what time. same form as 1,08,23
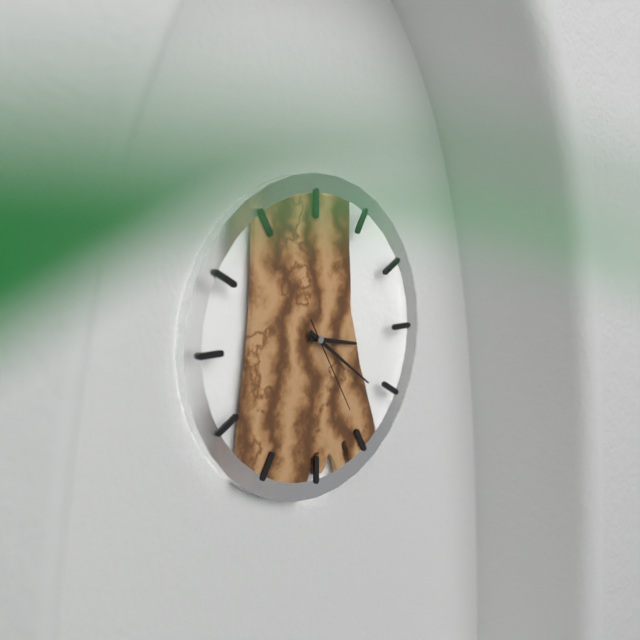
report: 3,21,25
